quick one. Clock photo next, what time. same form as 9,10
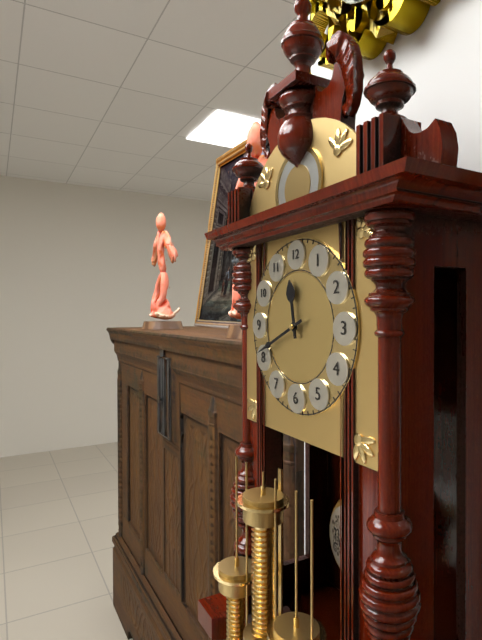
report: 11,41
